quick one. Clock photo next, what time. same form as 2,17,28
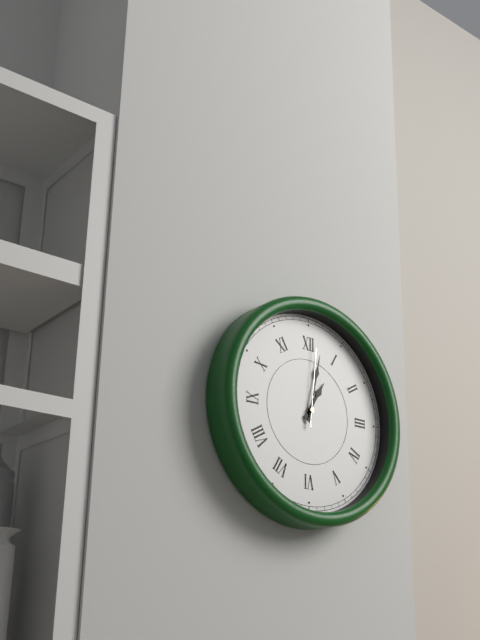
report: 1,02,01
